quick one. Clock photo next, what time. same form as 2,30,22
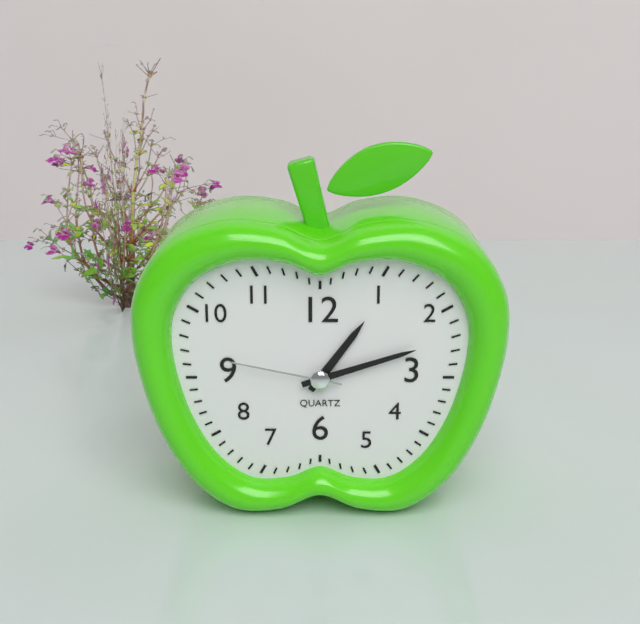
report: 1,12,47
